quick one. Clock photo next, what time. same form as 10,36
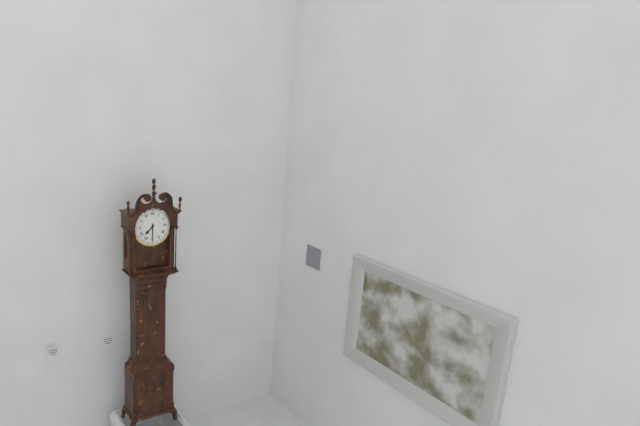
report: 7,30
